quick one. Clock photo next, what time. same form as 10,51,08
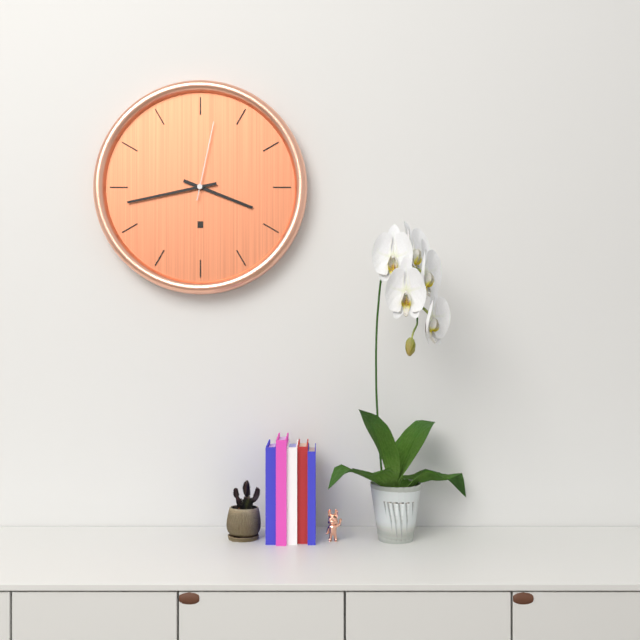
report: 3,43,02
